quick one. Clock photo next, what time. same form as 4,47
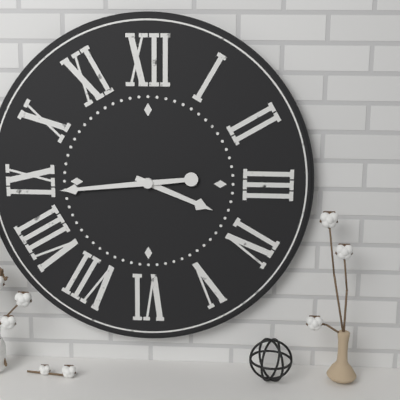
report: 3,44
